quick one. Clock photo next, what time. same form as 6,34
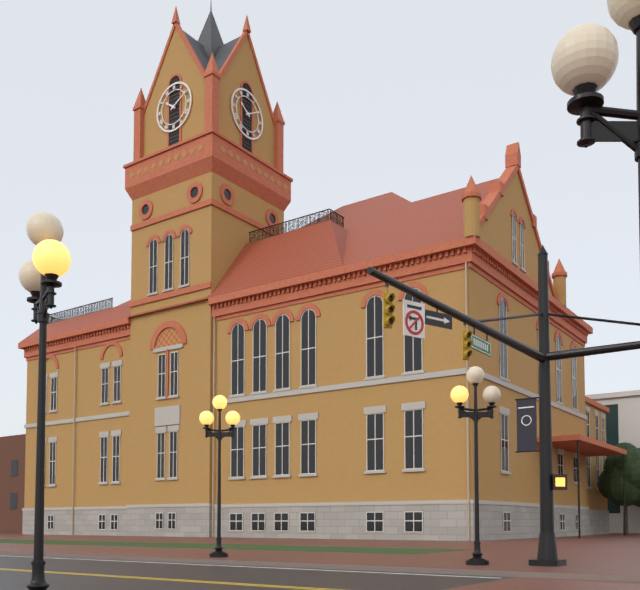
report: 10,10
